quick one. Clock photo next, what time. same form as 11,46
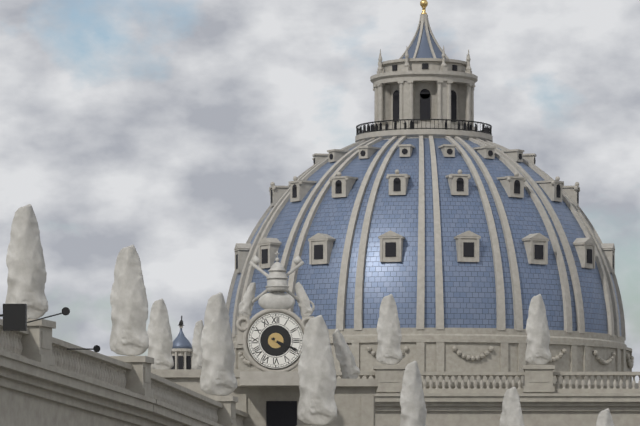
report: 4,19
